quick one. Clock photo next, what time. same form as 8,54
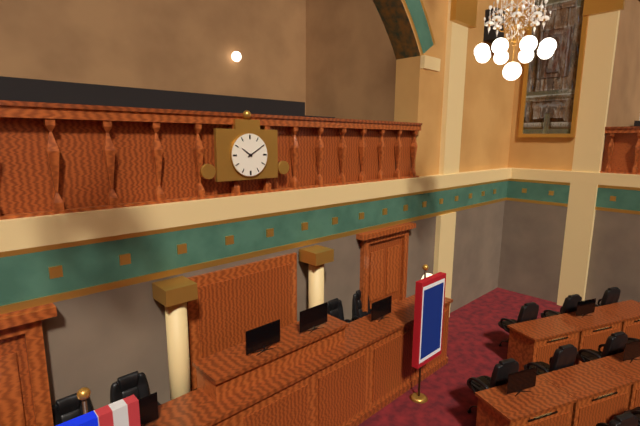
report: 10,10
